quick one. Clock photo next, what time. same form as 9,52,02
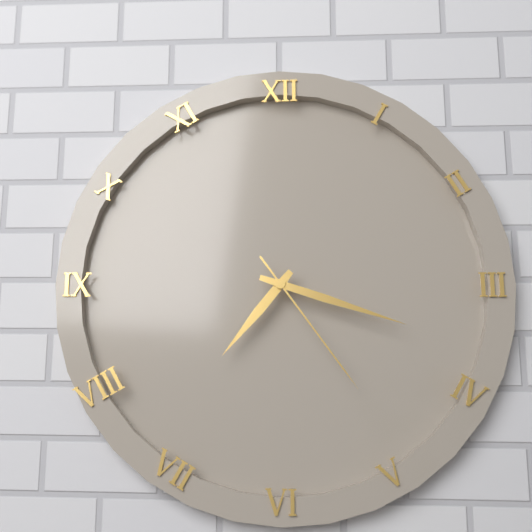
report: 7,18,24
